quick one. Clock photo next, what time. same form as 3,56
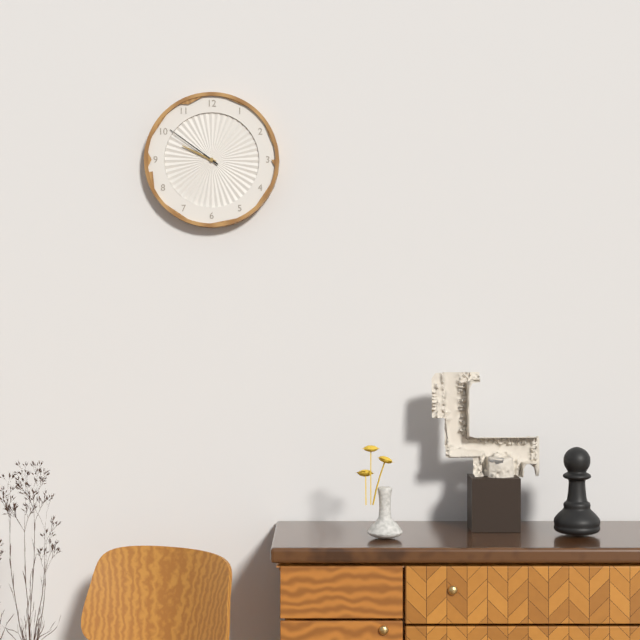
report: 9,51
